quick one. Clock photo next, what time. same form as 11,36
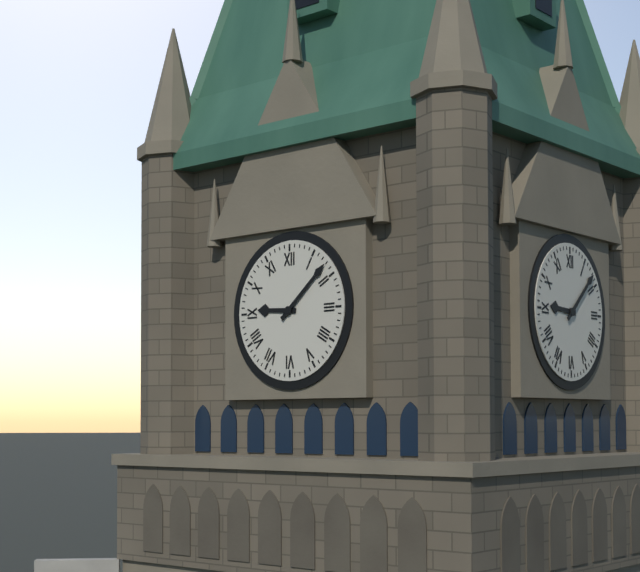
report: 9,08
